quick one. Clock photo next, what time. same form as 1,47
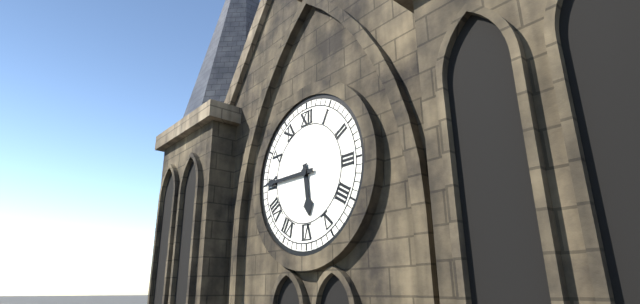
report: 5,45
